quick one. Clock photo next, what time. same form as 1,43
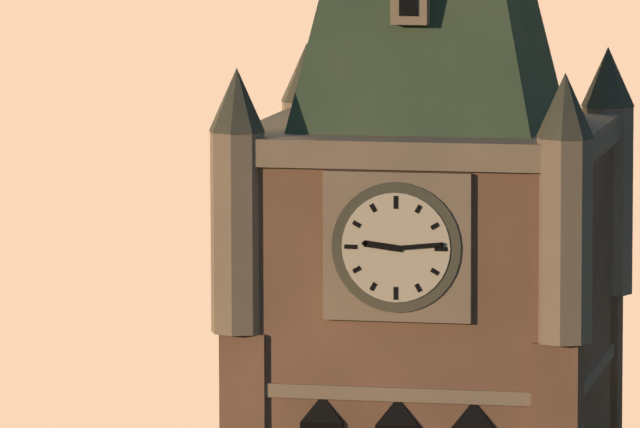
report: 9,14
